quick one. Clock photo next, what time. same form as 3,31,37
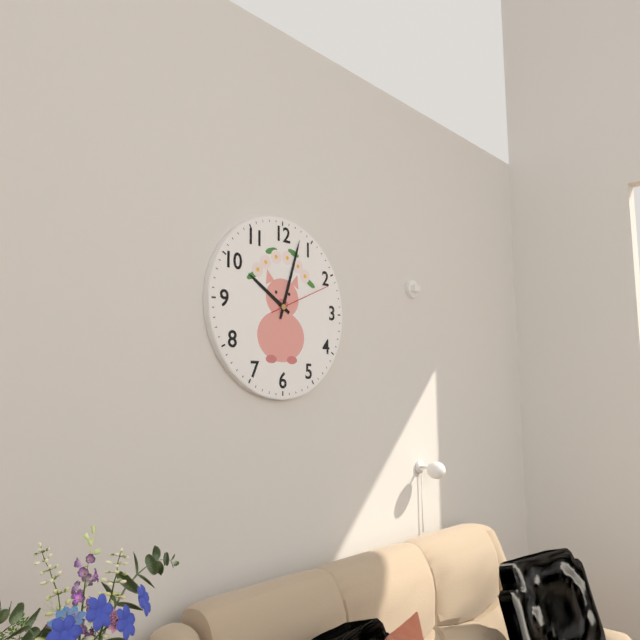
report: 10,03,11
